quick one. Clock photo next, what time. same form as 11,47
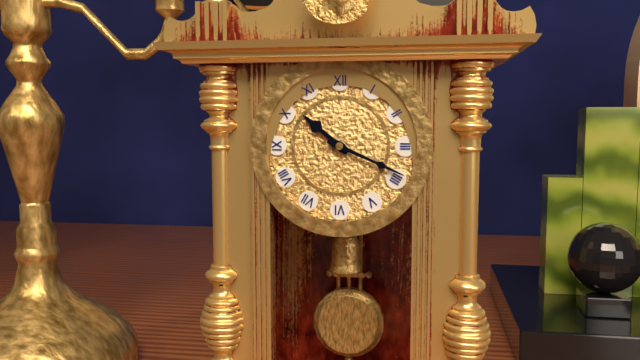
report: 10,19
